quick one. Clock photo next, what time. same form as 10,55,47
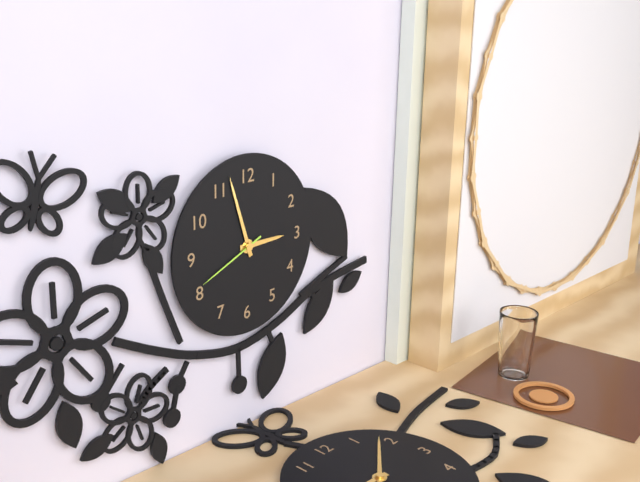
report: 2,57,41
